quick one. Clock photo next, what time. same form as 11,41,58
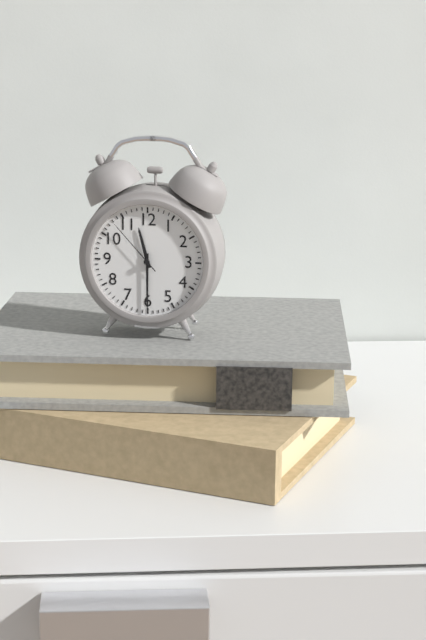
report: 11,30,53
